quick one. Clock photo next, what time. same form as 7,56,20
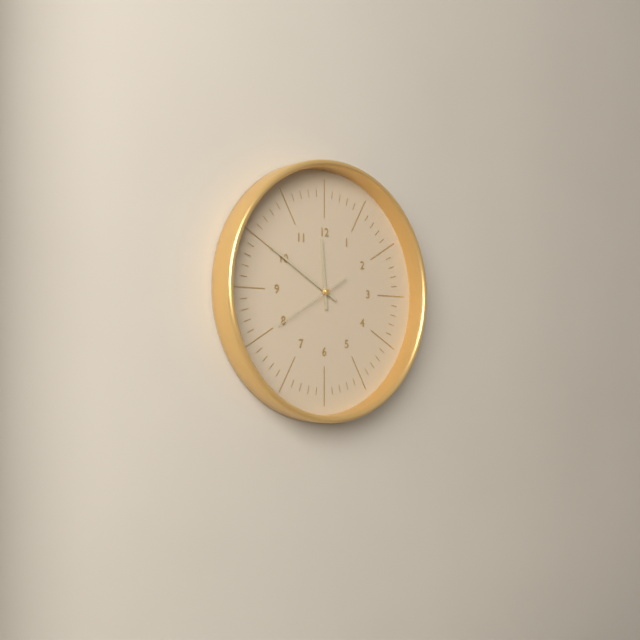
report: 11,50,40
